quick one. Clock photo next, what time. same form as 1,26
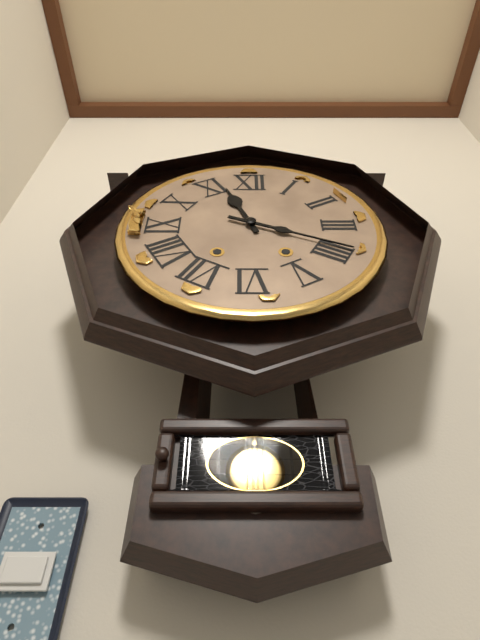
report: 11,19
